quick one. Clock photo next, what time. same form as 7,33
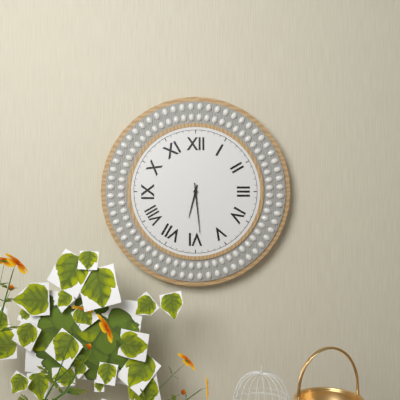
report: 6,29
